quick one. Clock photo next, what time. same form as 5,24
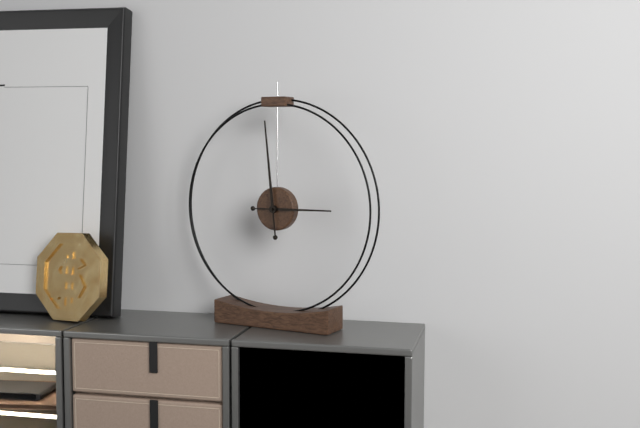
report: 2,59
